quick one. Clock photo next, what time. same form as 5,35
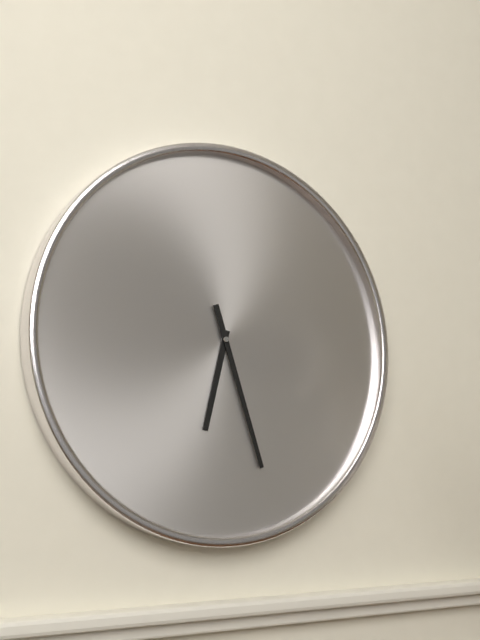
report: 6,27
